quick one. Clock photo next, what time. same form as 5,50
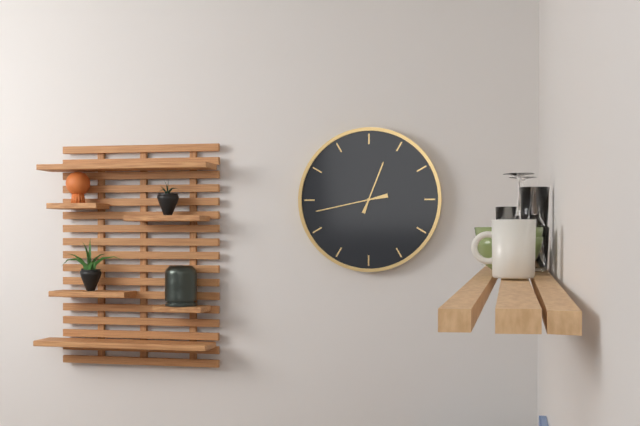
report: 12,43
